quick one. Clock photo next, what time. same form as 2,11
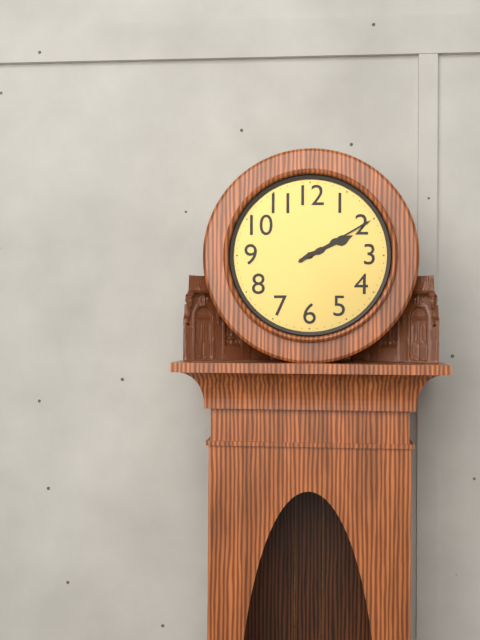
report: 2,10
